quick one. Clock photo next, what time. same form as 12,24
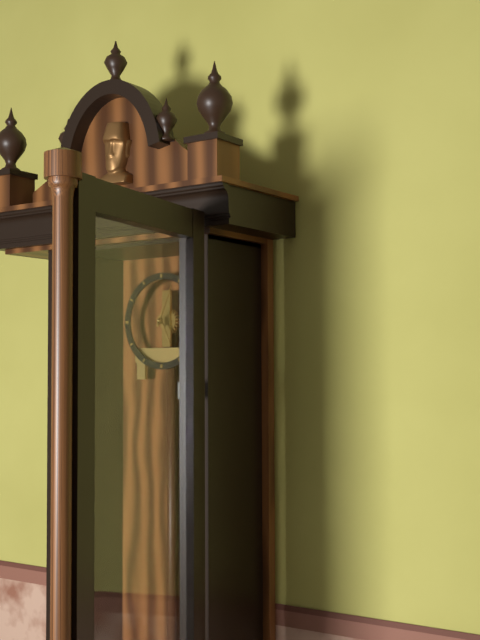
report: 5,04
